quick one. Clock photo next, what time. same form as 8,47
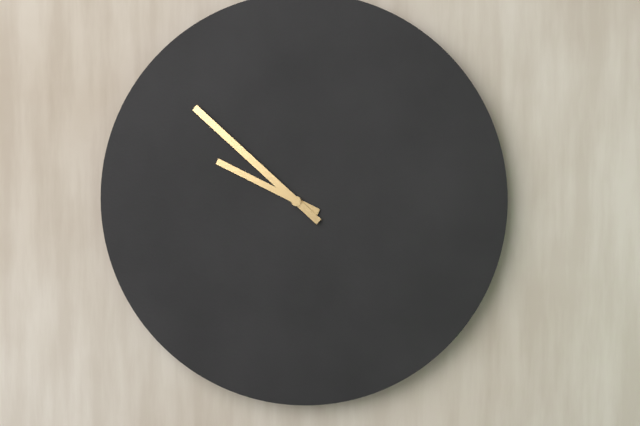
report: 9,52
